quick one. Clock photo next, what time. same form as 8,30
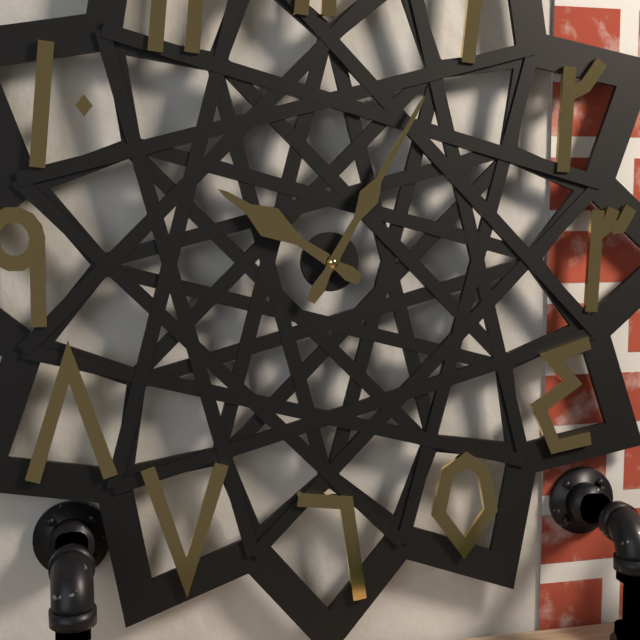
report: 10,05
